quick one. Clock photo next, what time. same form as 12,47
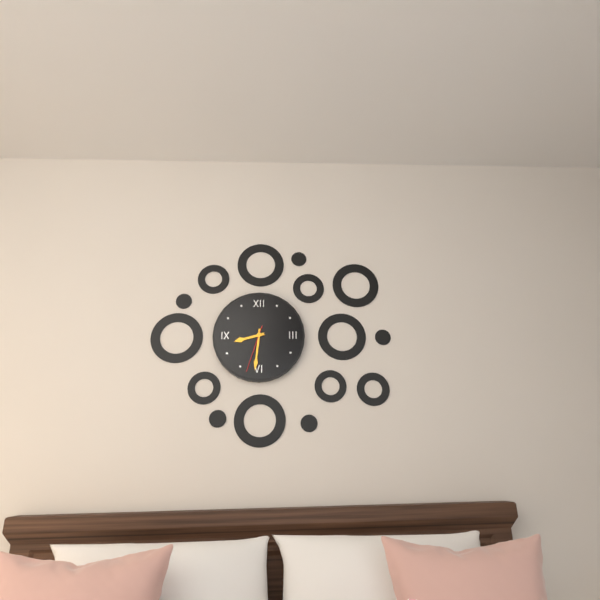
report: 8,31
